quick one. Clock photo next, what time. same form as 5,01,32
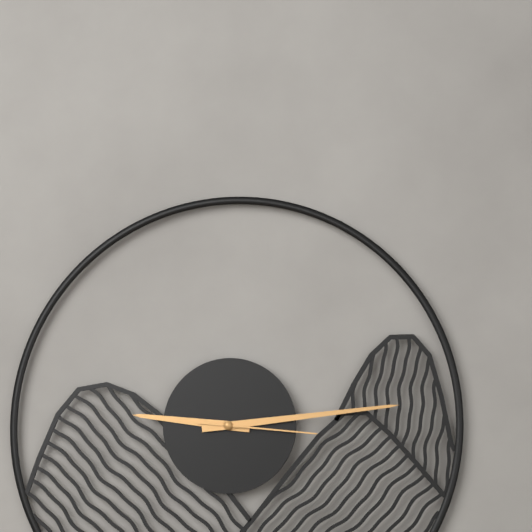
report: 9,14,16
